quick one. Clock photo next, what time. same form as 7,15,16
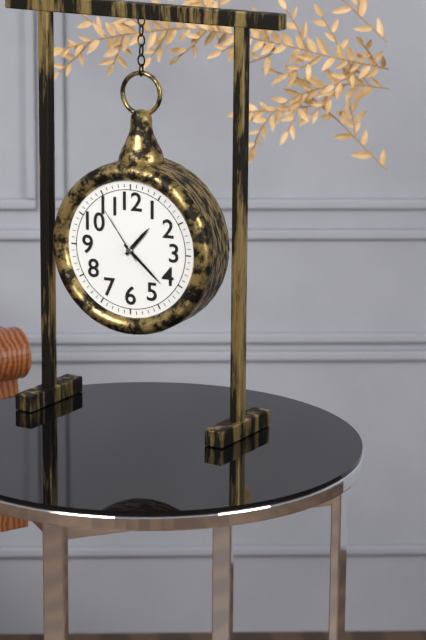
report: 1,22,54
